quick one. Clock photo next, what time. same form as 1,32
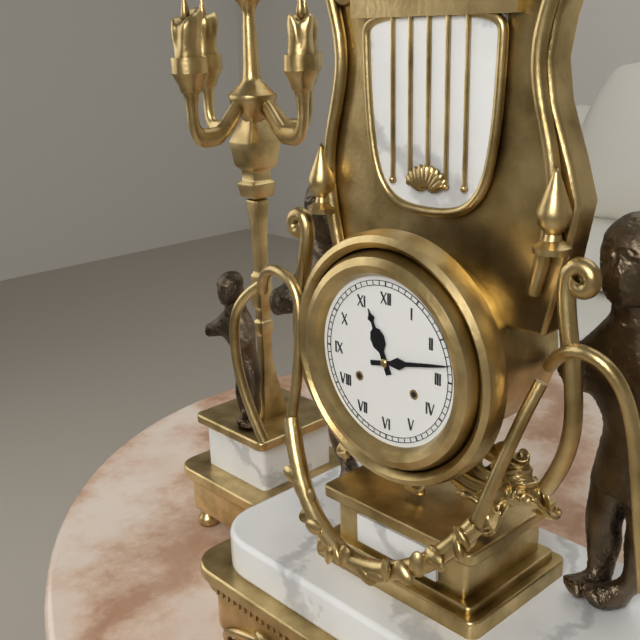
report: 11,13
